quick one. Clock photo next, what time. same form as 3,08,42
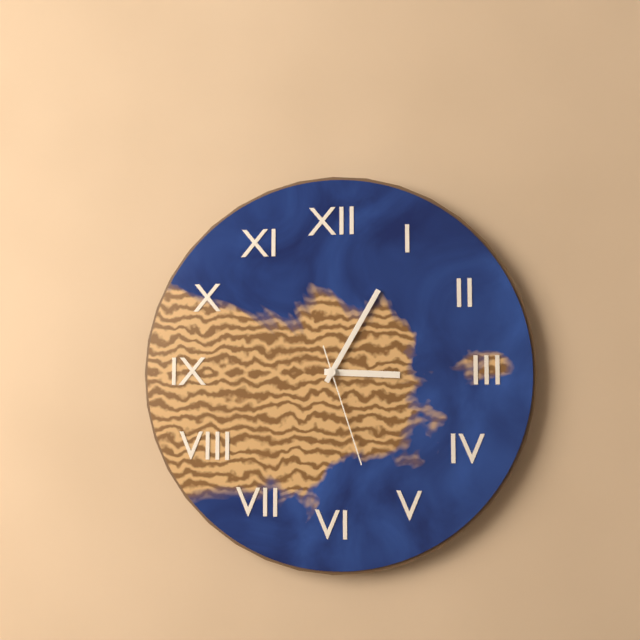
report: 3,05,27
